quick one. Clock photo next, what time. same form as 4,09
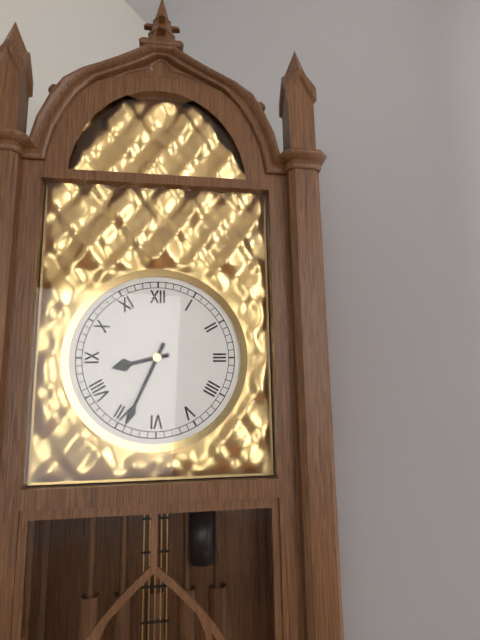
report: 8,34
